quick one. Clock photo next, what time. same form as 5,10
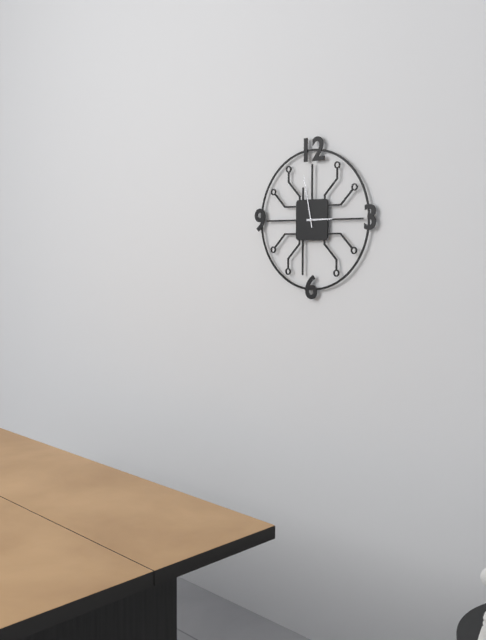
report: 2,58
